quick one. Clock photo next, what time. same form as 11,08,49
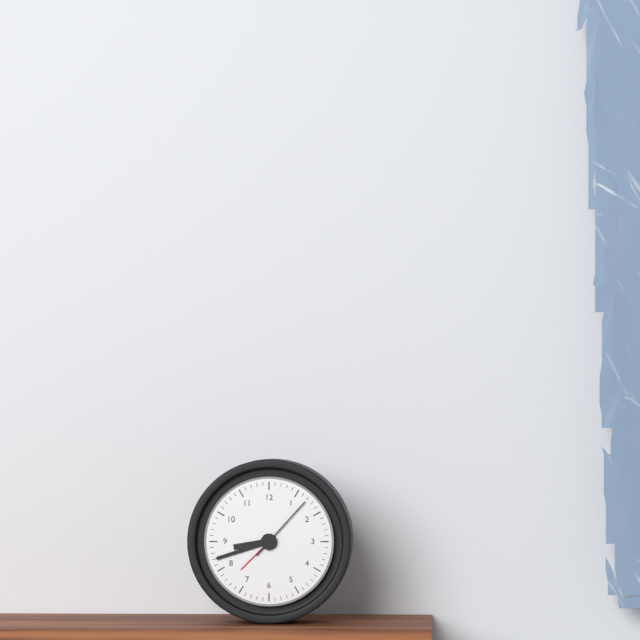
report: 8,42,07
